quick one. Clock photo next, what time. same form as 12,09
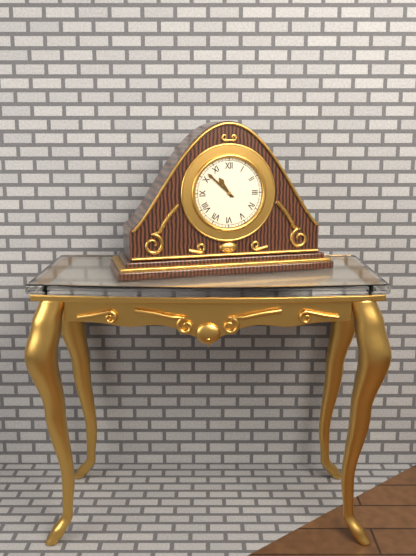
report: 10,52
